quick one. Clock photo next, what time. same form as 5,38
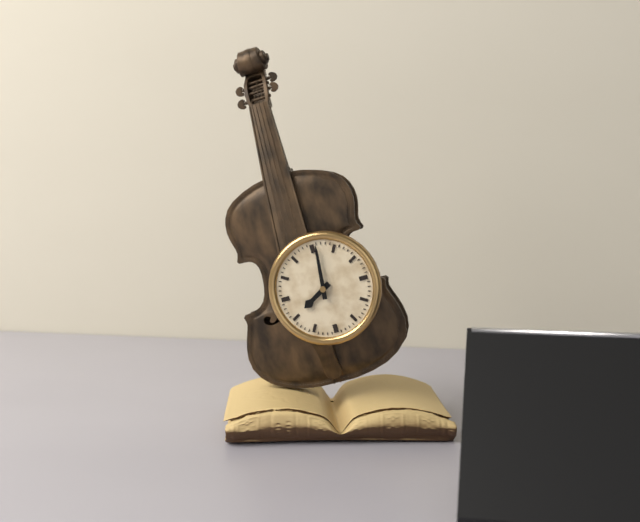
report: 8,01
